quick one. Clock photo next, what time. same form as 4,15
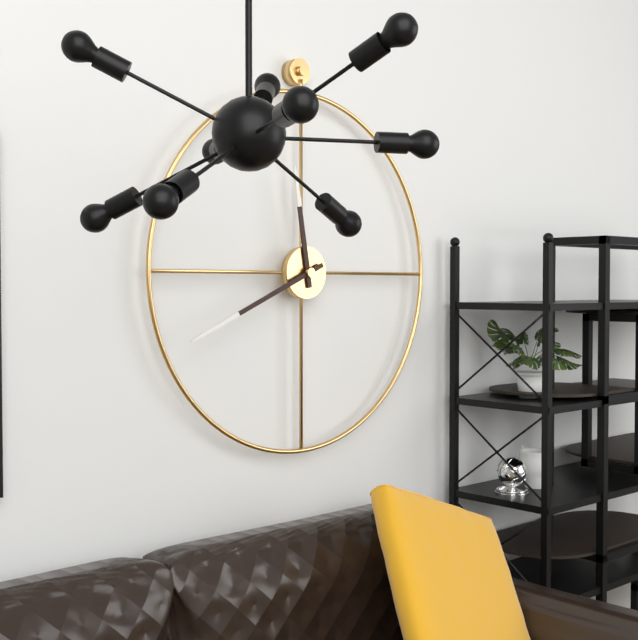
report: 11,41
